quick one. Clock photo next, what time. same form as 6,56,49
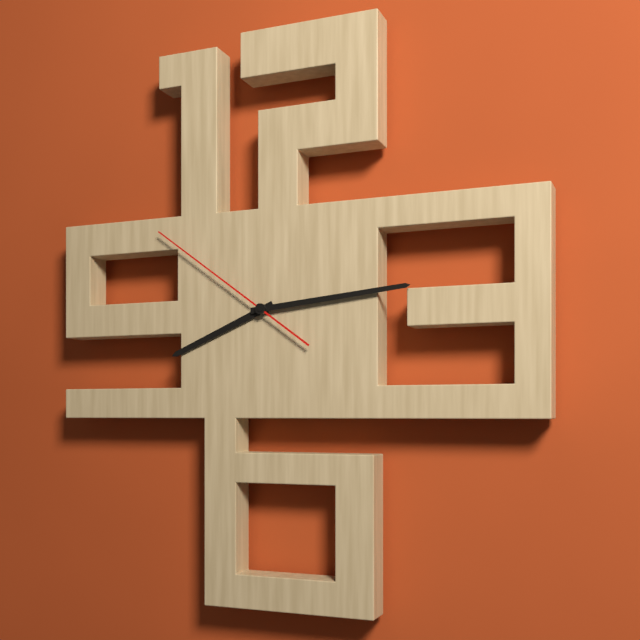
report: 8,14,51
